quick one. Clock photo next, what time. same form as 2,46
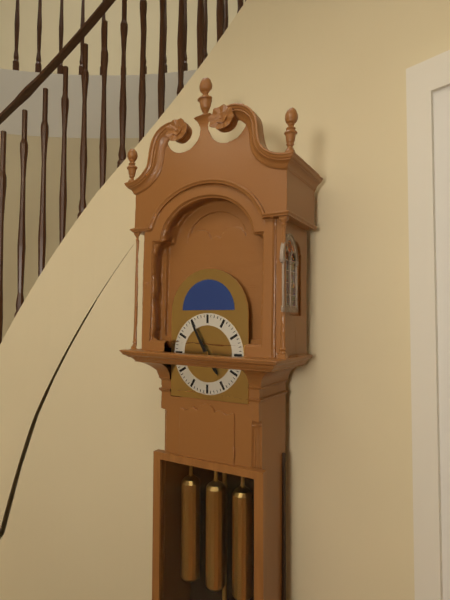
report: 4,55
